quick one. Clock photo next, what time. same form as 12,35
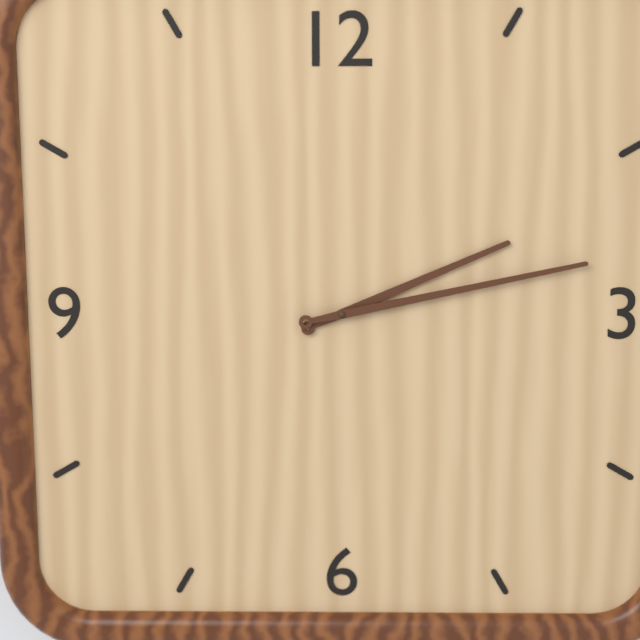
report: 2,13
